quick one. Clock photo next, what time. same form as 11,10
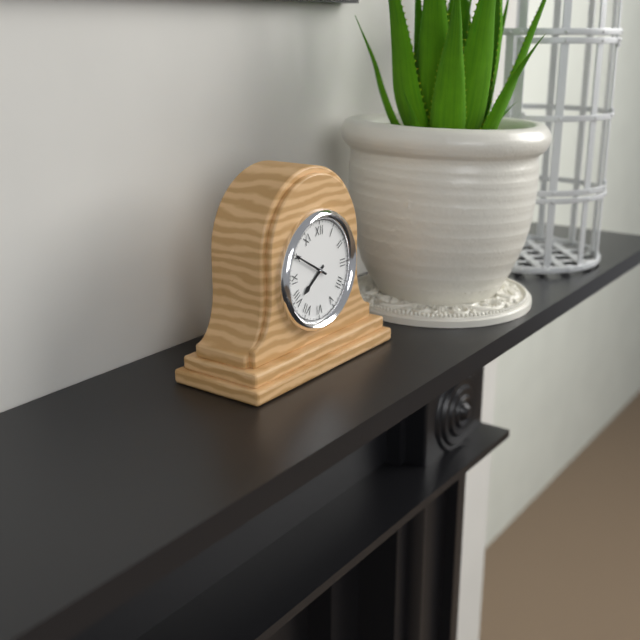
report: 7,50
